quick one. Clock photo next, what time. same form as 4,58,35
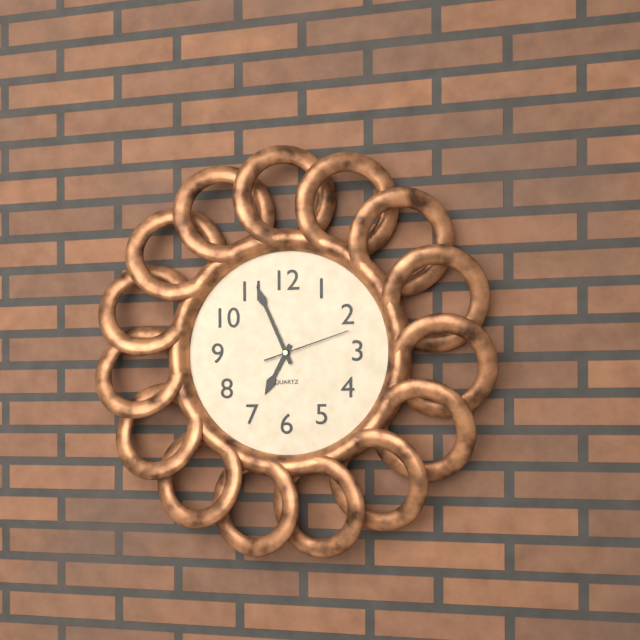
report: 6,56,12
